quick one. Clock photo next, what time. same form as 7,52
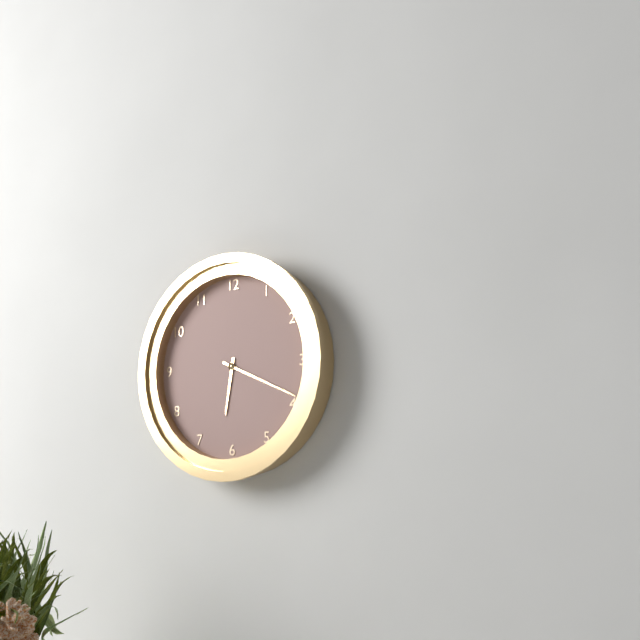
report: 6,19
